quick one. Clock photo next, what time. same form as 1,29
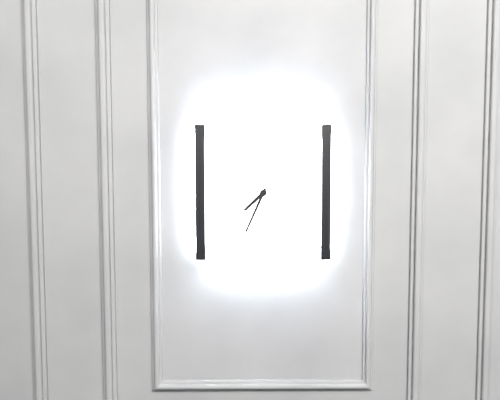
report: 7,34
